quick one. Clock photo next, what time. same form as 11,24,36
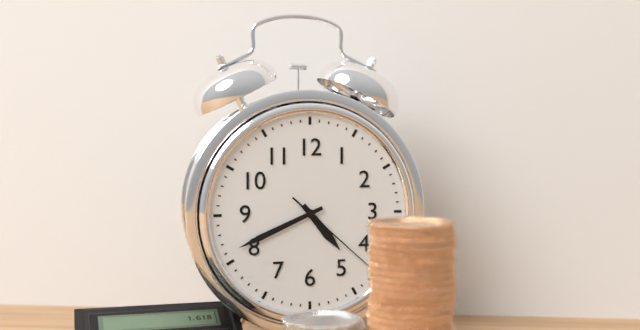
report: 4,41,22
